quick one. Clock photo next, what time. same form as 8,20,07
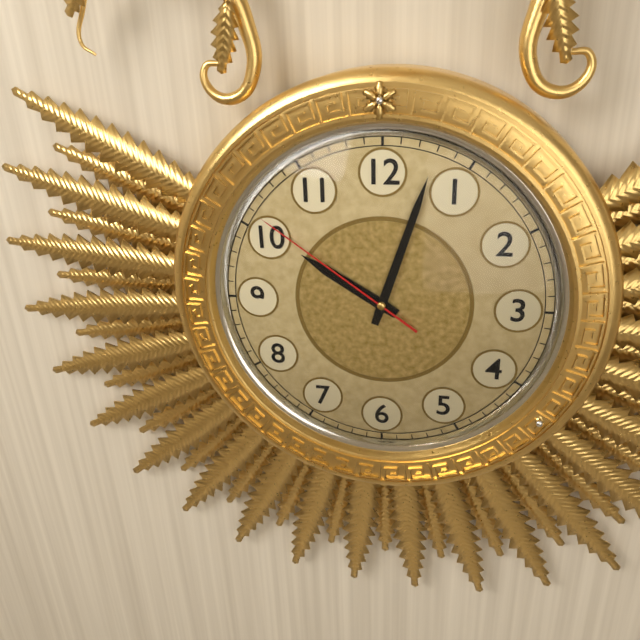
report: 10,03,51
